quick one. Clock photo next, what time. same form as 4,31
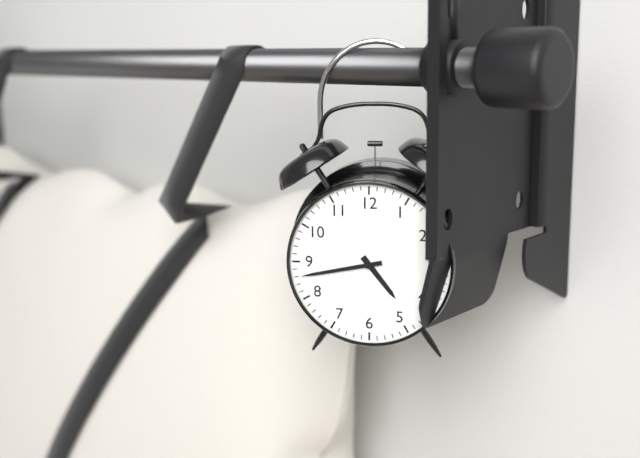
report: 4,43
